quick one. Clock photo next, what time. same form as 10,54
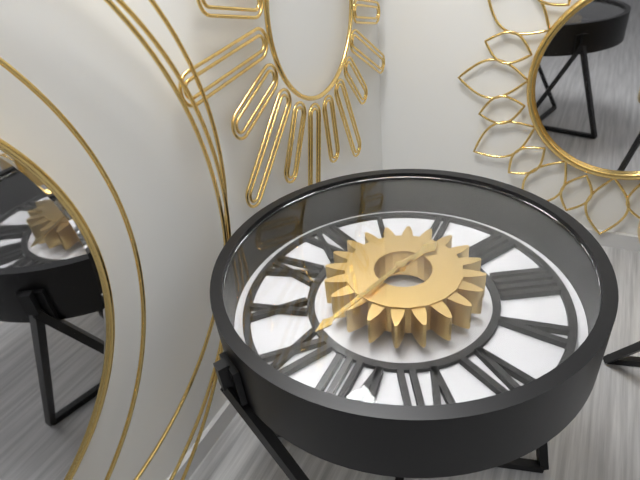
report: 2,43
